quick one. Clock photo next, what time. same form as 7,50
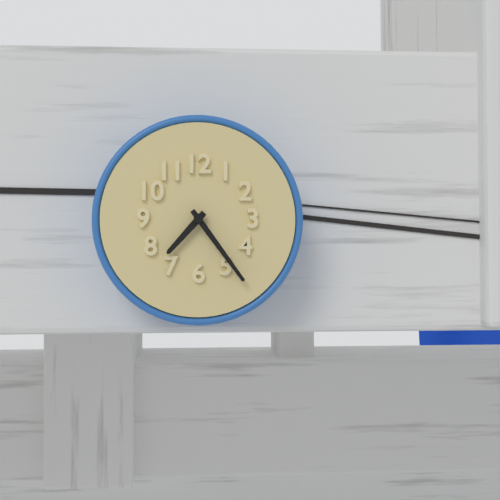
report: 7,24
